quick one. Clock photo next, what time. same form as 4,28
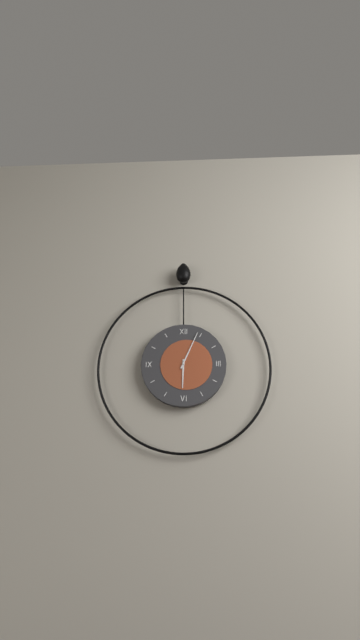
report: 6,04
